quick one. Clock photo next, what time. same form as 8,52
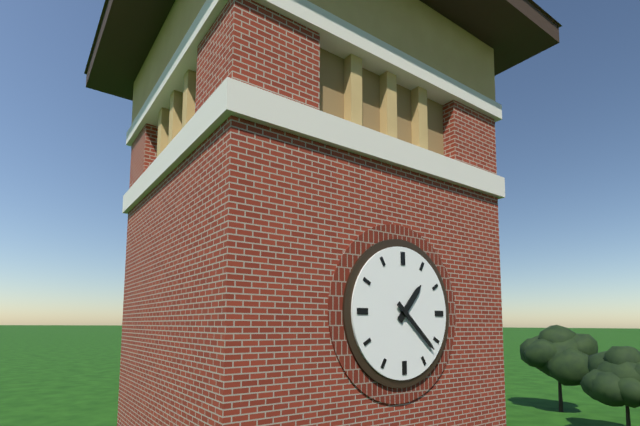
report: 1,22
